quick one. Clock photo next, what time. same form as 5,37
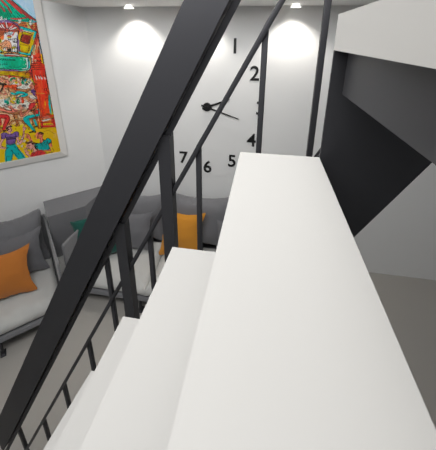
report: 2,18
